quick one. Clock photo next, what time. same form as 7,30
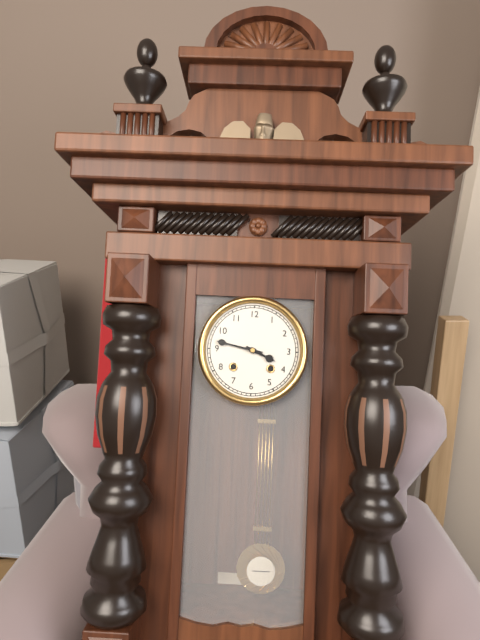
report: 3,47
